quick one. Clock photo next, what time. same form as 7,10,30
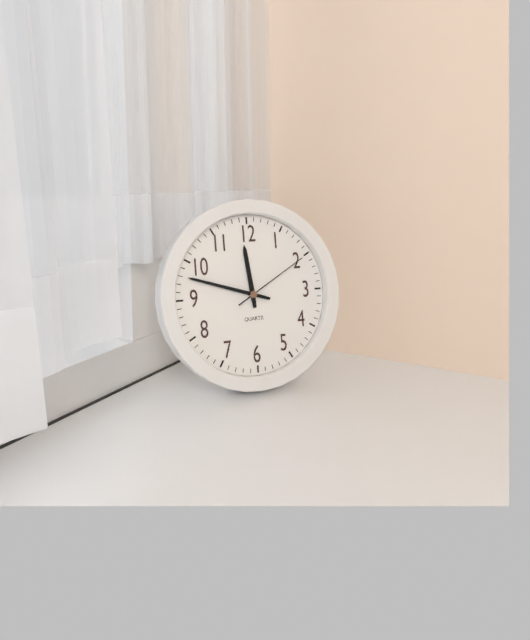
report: 11,48,10
